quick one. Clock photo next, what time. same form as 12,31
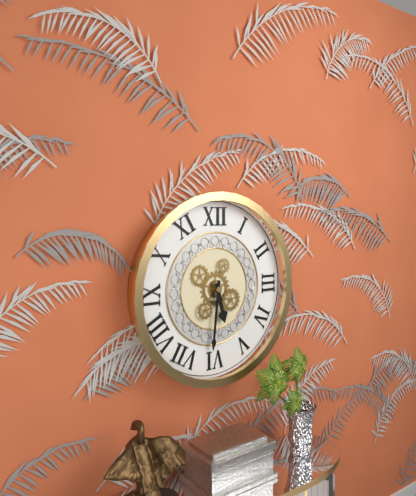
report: 5,31
